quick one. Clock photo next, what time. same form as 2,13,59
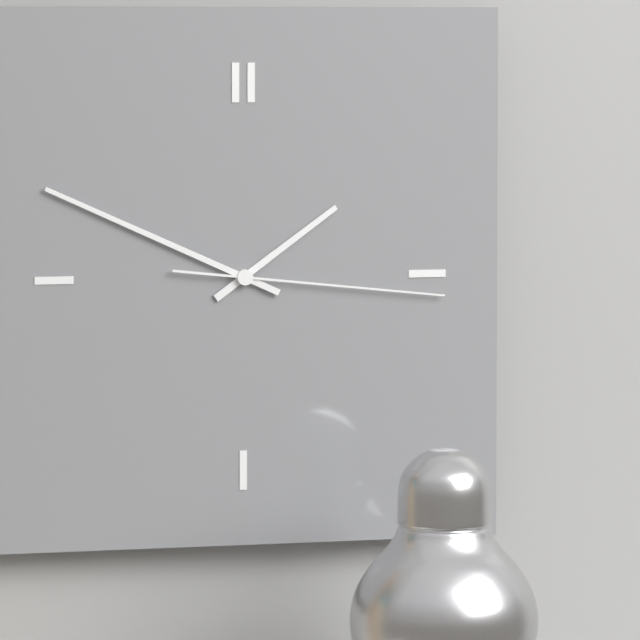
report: 1,49,16
